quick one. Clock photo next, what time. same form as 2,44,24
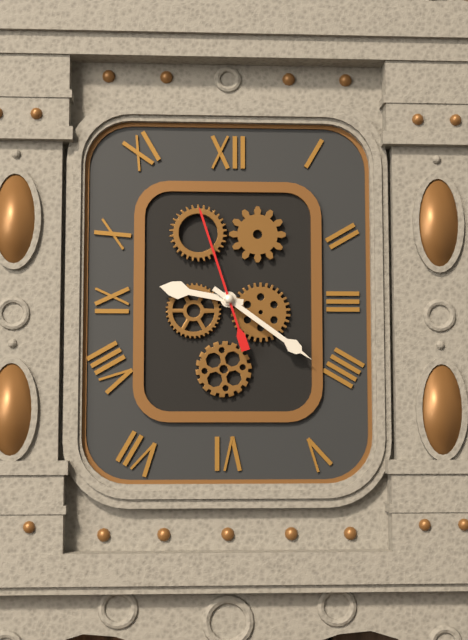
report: 9,21,57
